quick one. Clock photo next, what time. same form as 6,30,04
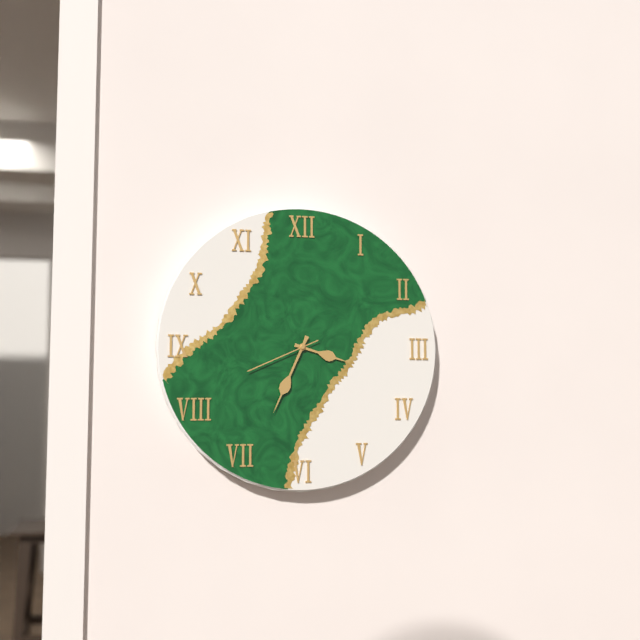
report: 3,34,41
